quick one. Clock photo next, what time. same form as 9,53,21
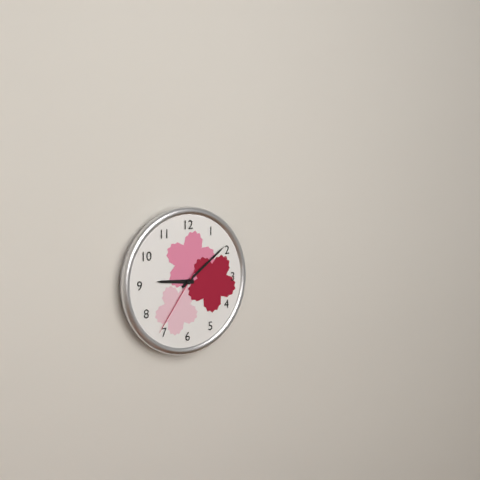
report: 9,09,36
